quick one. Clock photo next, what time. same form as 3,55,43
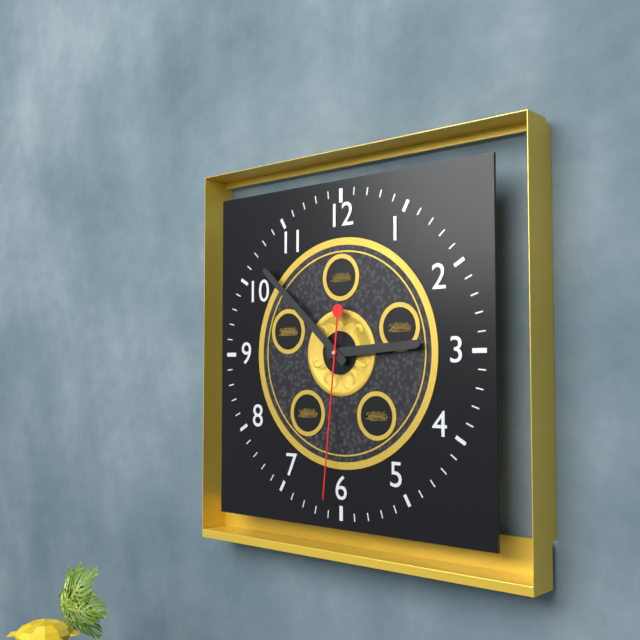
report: 2,52,31
